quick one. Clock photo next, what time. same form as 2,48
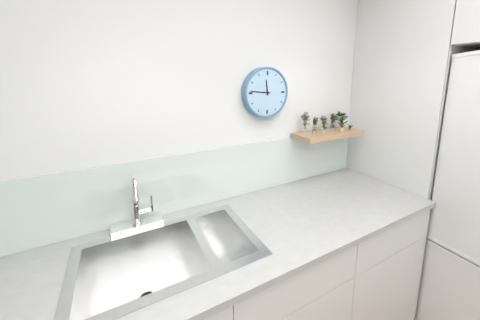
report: 11,46
